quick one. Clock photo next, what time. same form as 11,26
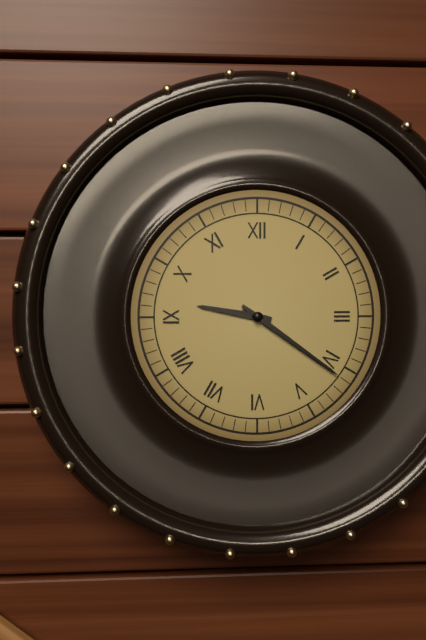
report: 9,21
